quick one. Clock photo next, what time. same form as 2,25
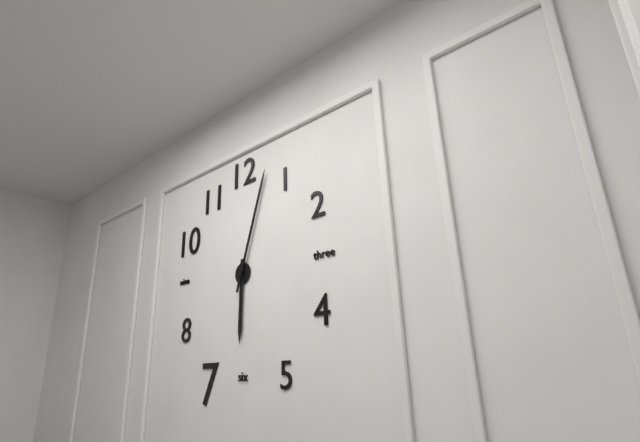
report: 6,03
